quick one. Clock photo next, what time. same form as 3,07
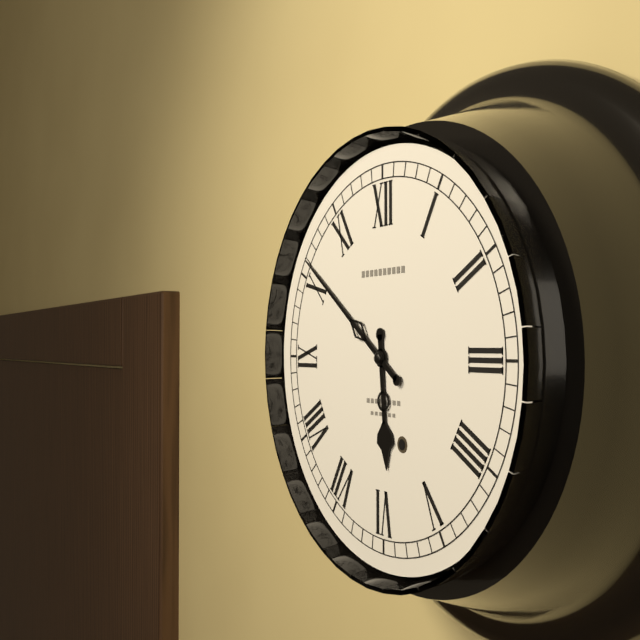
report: 5,51
